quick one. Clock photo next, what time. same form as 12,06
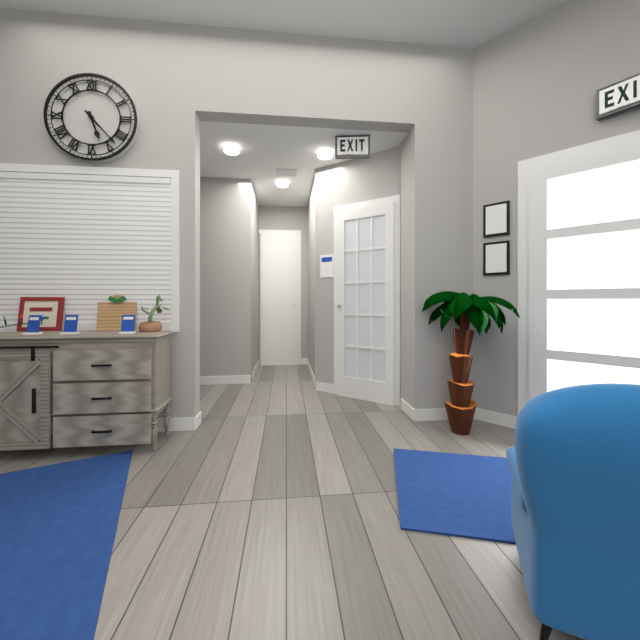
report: 5,23
